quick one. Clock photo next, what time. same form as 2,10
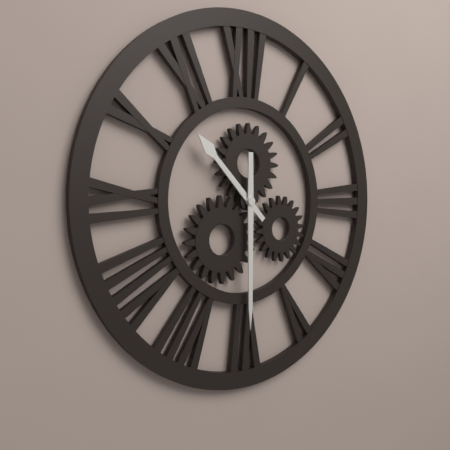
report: 10,30
